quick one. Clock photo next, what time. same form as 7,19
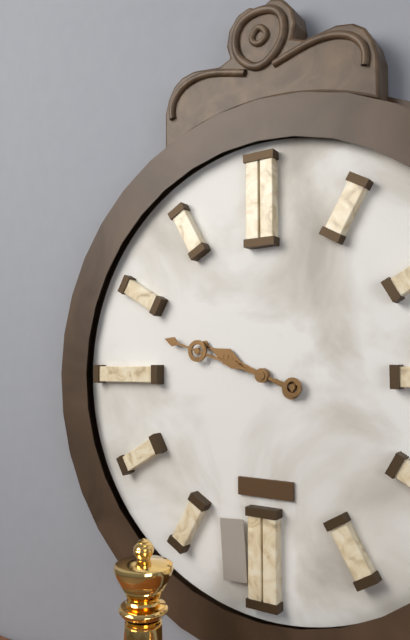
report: 9,48
